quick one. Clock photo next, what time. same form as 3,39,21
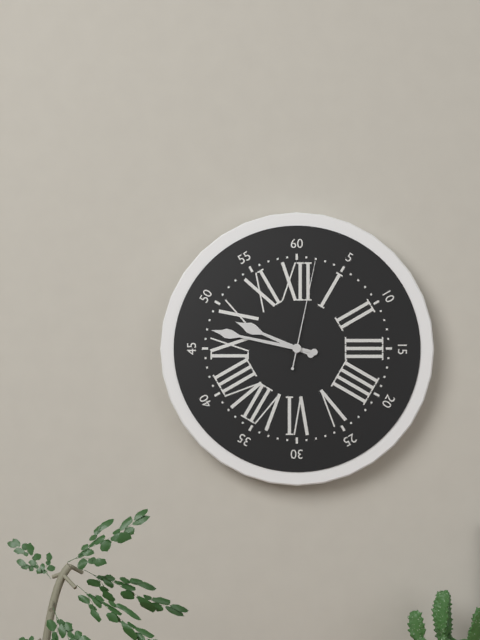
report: 9,47,02
